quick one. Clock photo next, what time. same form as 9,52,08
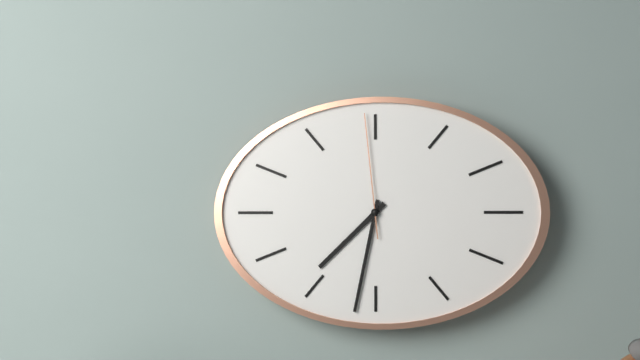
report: 7,32,59
